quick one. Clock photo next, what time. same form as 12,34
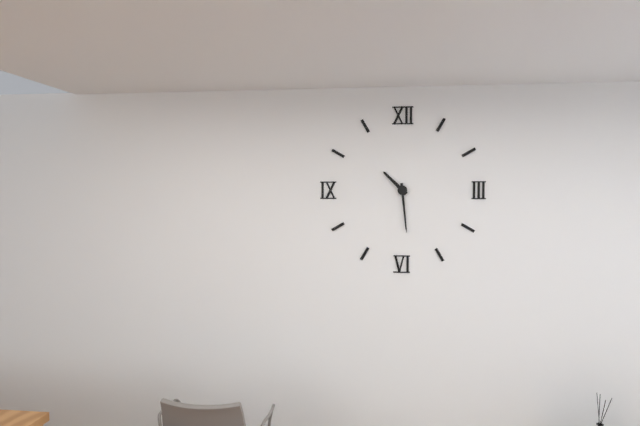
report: 10,29
